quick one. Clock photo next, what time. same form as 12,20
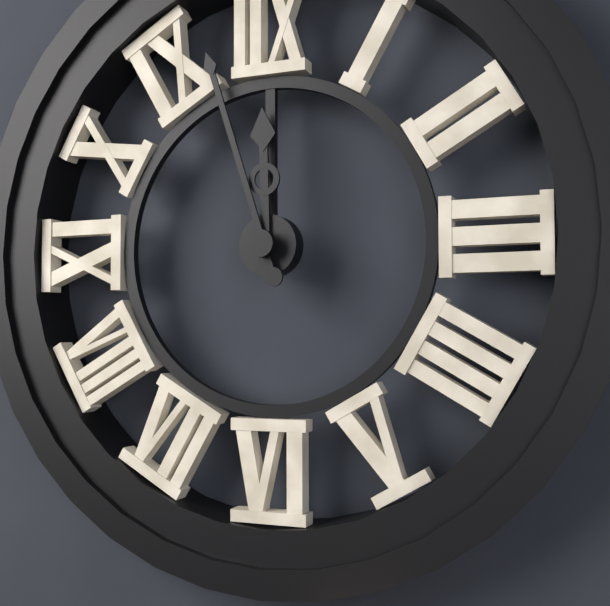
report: 11,57
